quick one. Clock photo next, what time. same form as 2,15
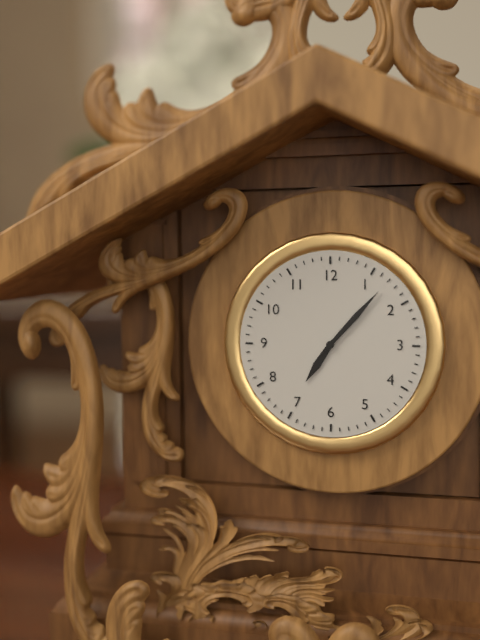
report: 7,07
